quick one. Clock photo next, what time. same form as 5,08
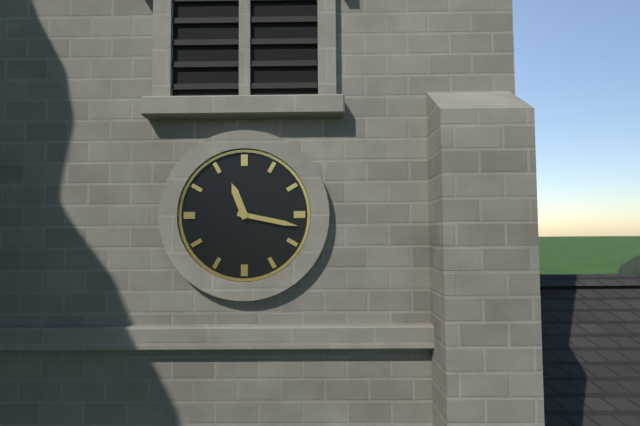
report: 11,17
